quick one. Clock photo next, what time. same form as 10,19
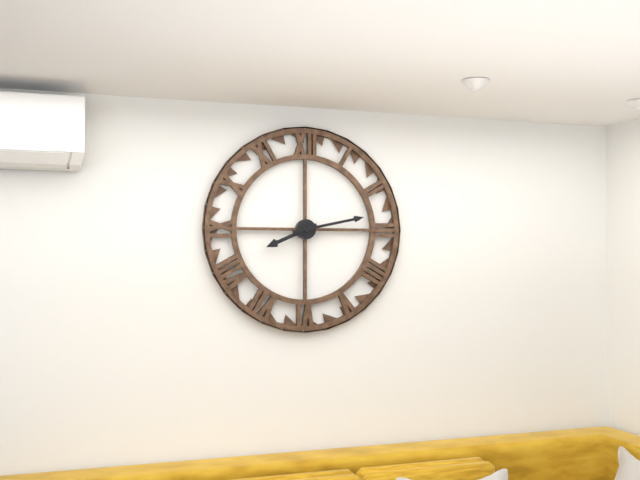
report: 8,13
